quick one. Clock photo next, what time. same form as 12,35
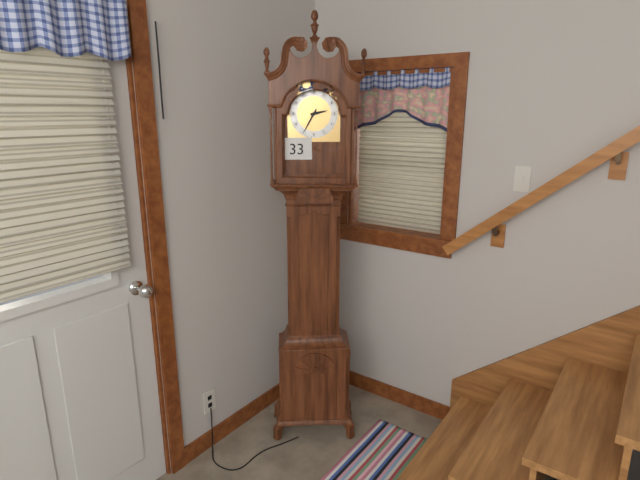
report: 2,35
